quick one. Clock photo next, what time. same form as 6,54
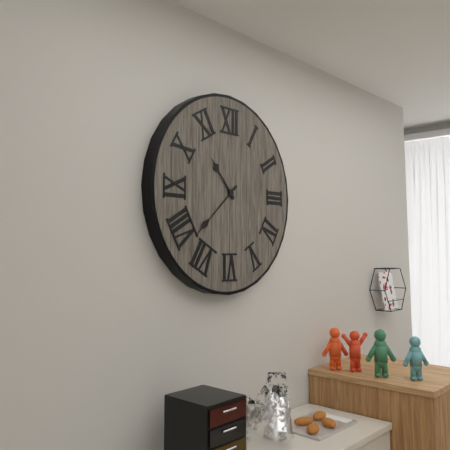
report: 10,38
